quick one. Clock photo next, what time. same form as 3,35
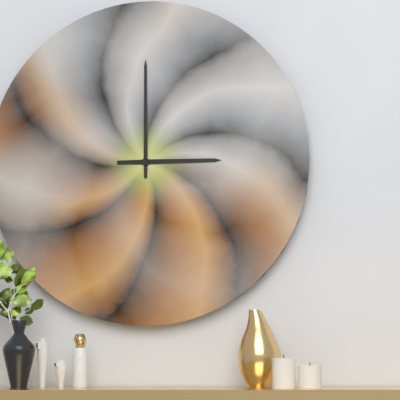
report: 3,00
